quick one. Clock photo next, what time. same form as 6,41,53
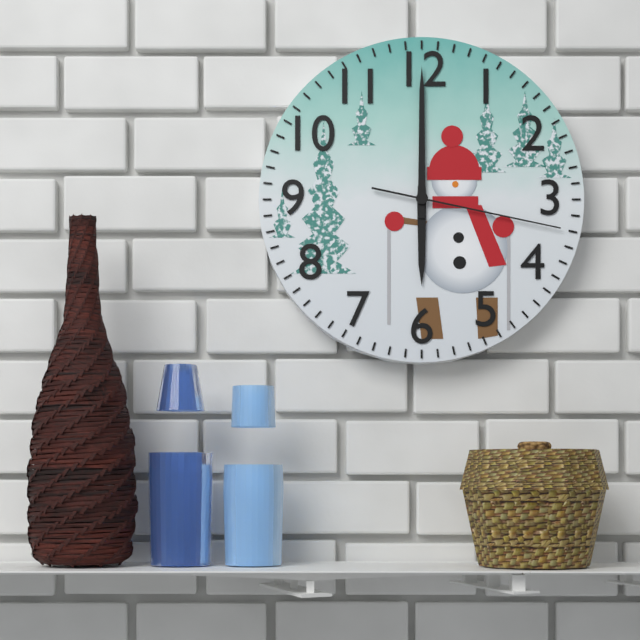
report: 6,00,17
